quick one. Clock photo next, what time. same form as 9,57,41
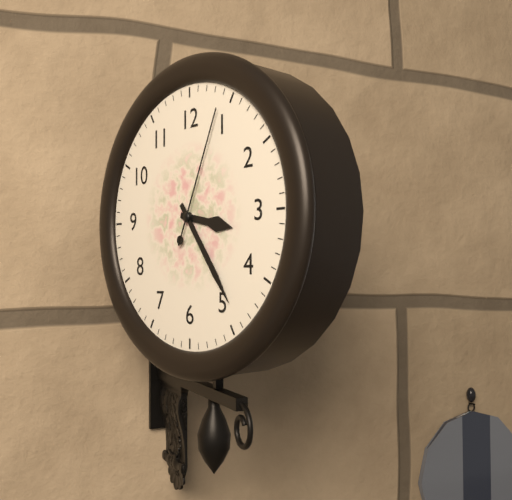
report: 3,24,04
